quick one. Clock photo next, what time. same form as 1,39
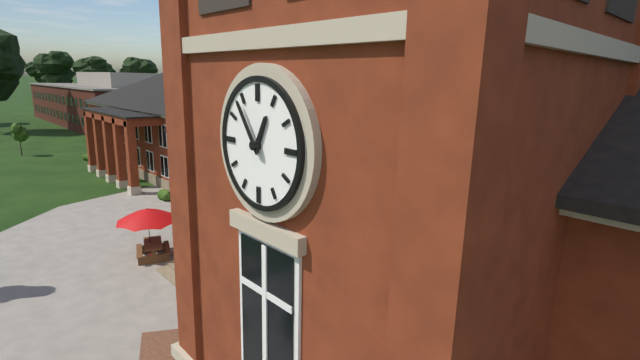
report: 12,54
